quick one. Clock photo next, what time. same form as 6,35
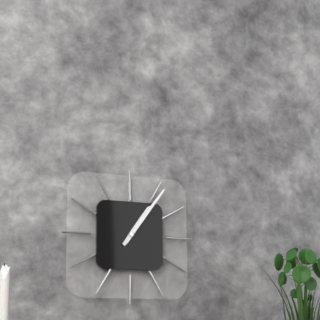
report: 1,06
